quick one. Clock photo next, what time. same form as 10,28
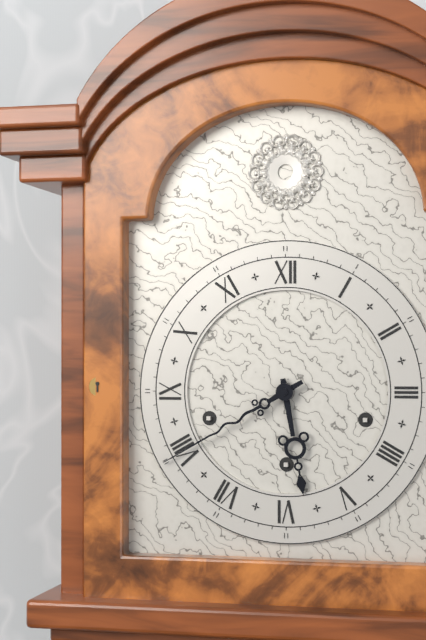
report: 5,40
